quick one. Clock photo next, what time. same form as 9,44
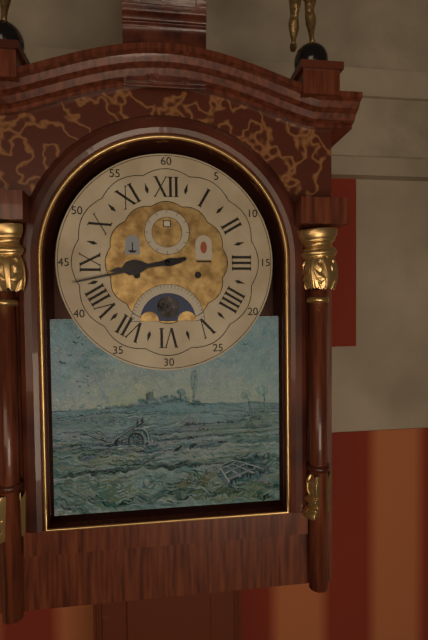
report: 8,43
